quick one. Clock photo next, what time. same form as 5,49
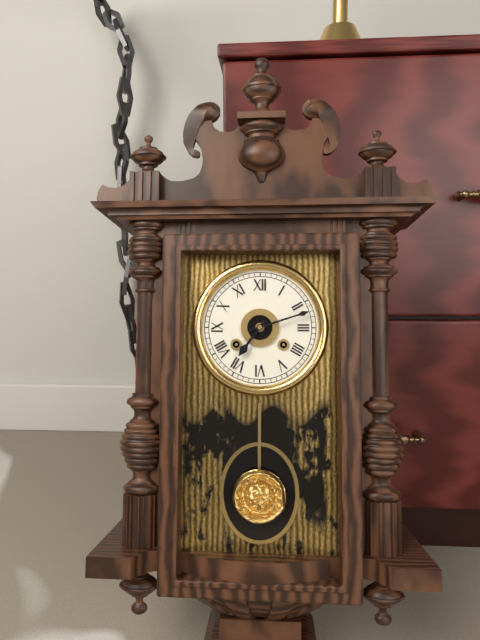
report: 7,12
